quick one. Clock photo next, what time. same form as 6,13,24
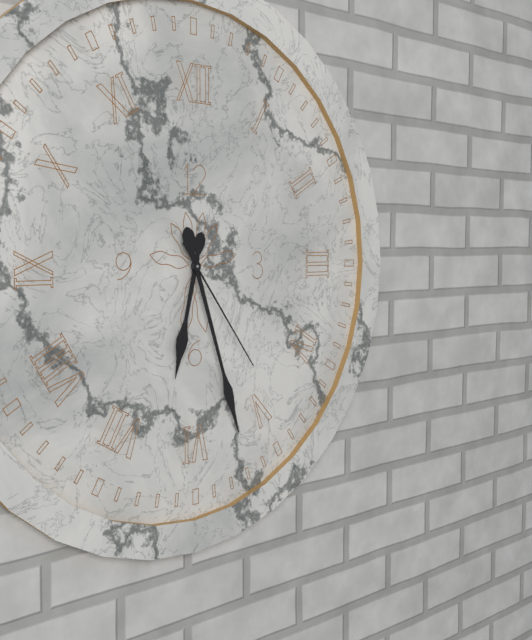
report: 6,27,24
